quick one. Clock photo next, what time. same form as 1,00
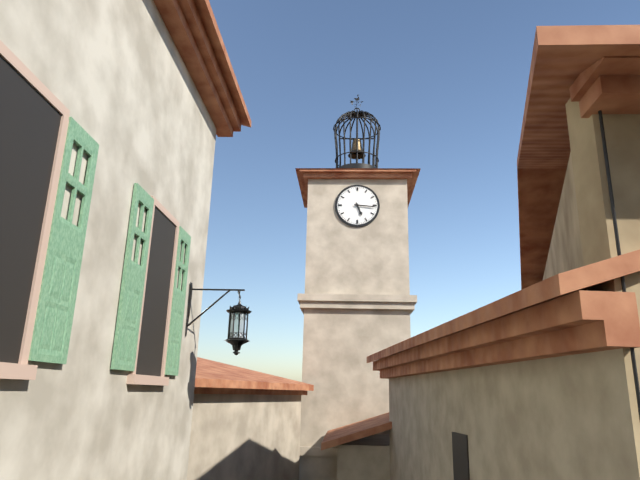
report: 5,16
